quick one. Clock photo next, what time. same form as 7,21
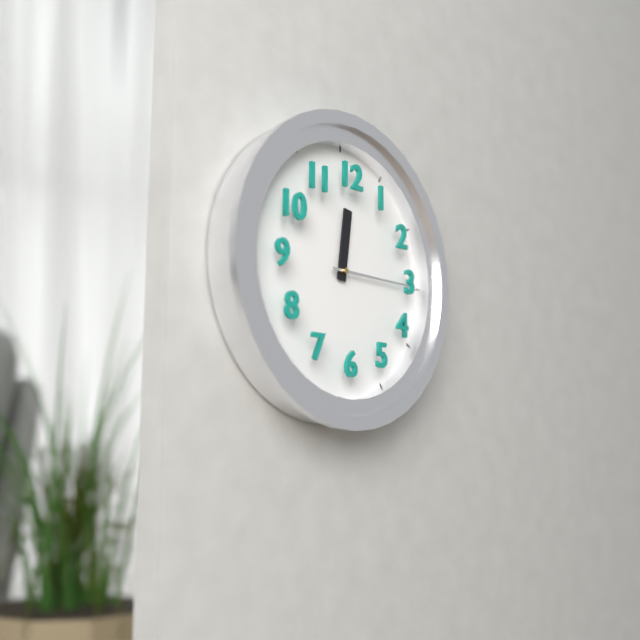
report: 12,15
